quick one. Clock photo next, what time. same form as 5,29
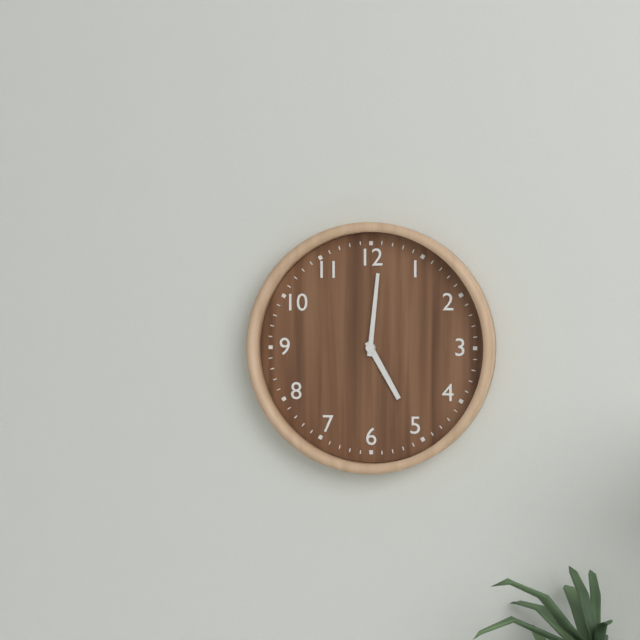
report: 5,01
